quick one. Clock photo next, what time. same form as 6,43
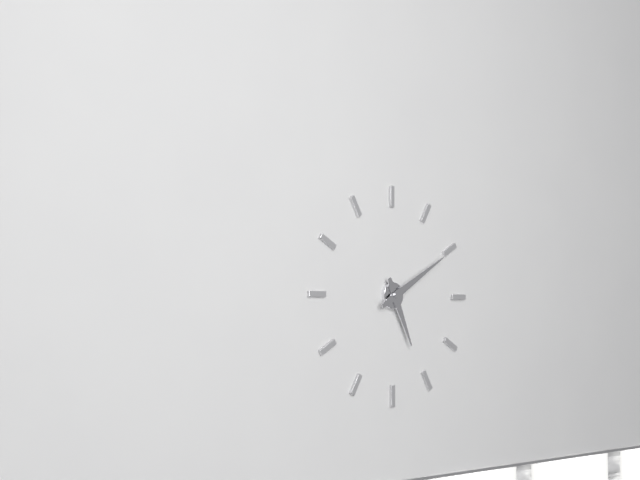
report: 5,10
